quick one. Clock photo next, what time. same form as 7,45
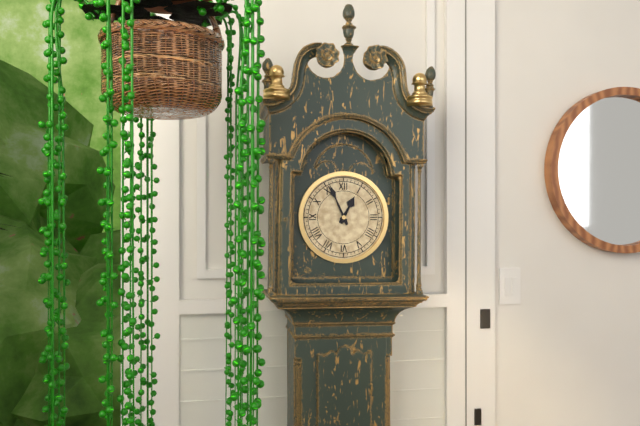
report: 12,56
